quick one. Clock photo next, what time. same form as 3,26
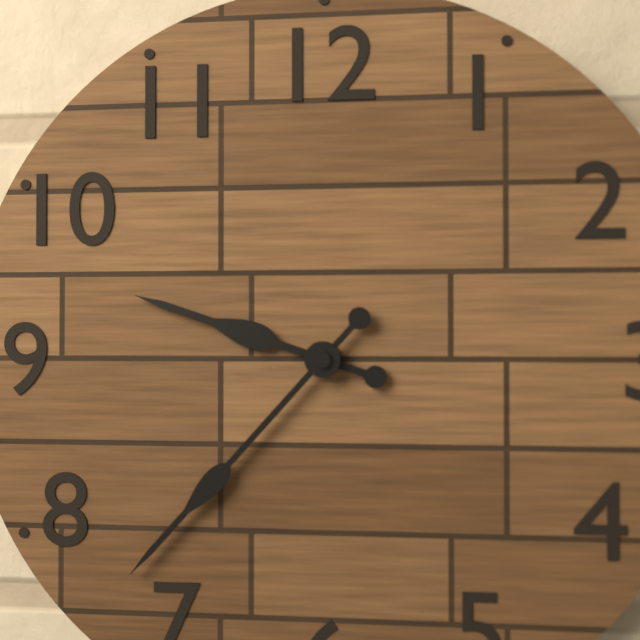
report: 9,37
